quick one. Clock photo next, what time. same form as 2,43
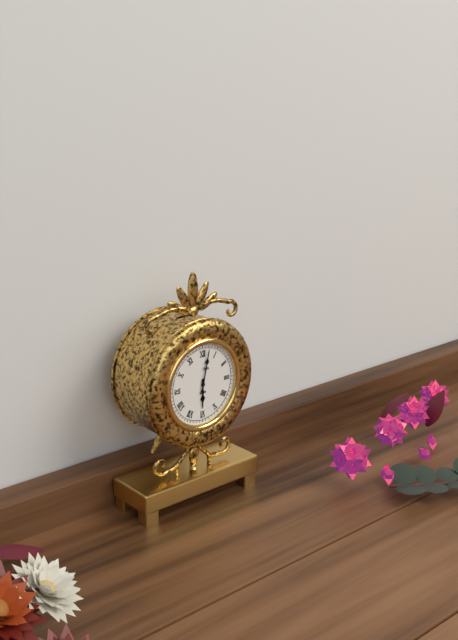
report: 6,02
